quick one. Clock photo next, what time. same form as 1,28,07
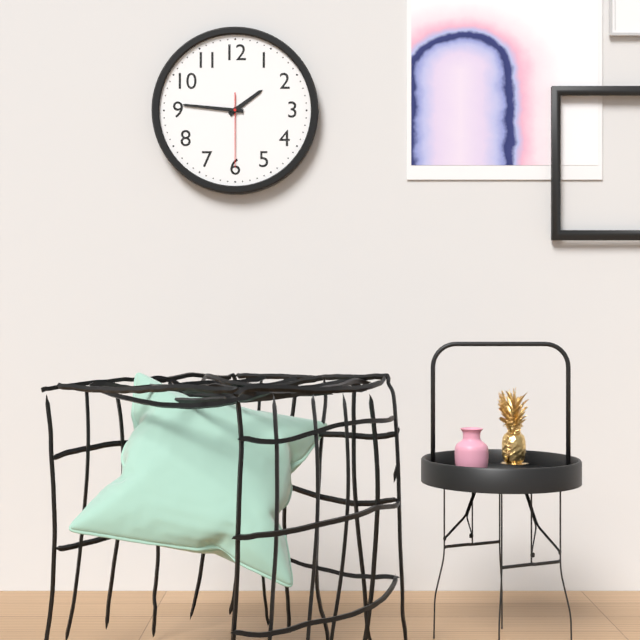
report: 1,46,30
